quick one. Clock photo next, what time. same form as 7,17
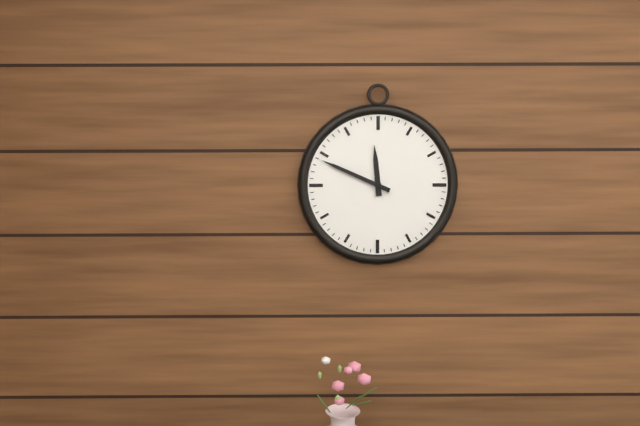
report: 11,49
